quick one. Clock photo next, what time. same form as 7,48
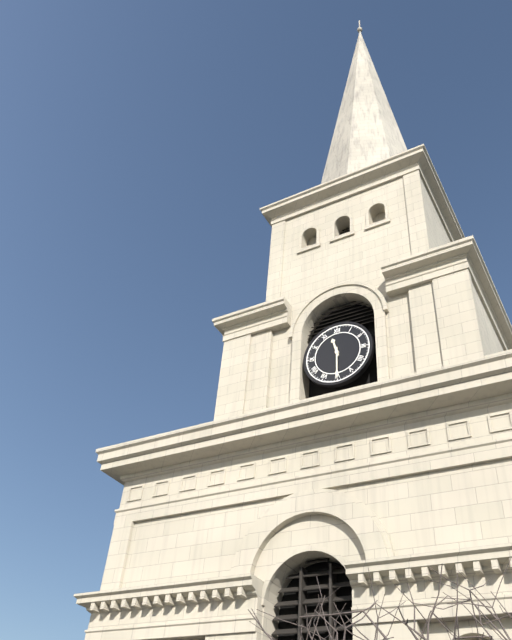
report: 11,30
